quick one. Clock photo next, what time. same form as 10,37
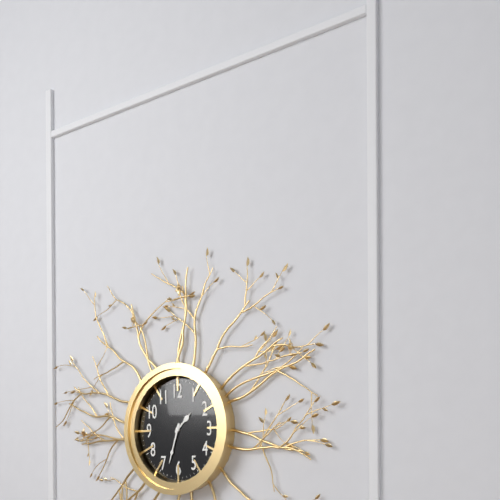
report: 1,33
